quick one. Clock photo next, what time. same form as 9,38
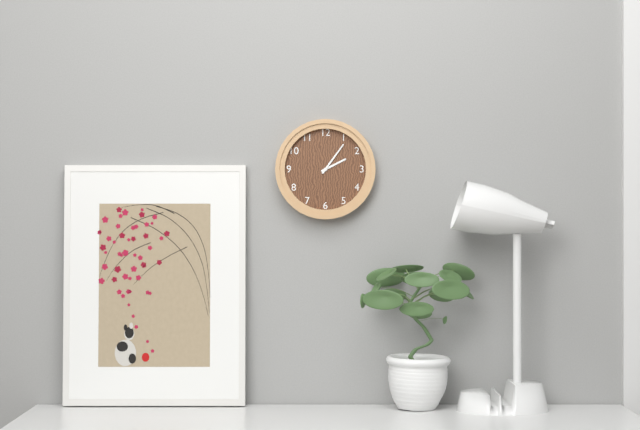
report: 2,06
